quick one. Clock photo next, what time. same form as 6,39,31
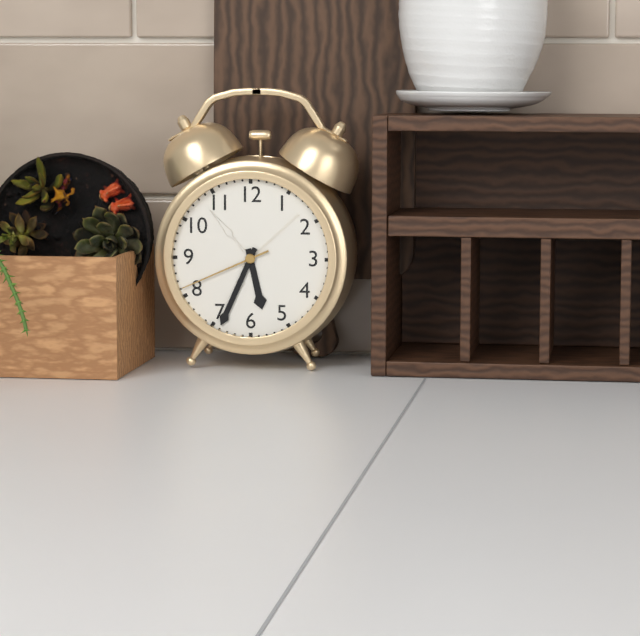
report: 5,34,41
